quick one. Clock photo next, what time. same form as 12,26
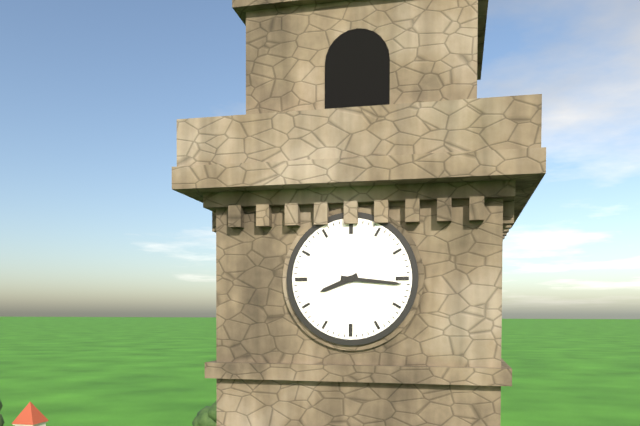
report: 8,16
